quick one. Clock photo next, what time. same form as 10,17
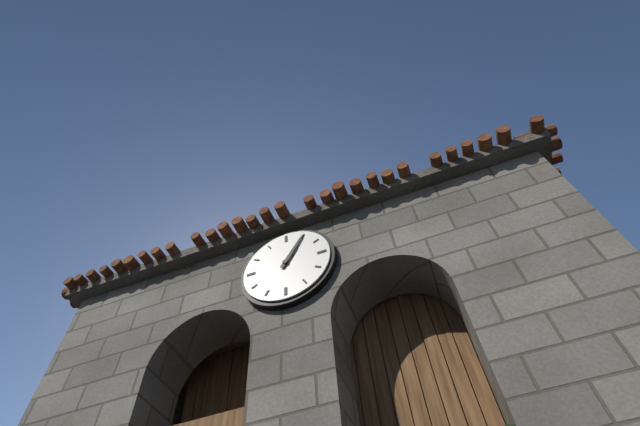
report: 1,05
